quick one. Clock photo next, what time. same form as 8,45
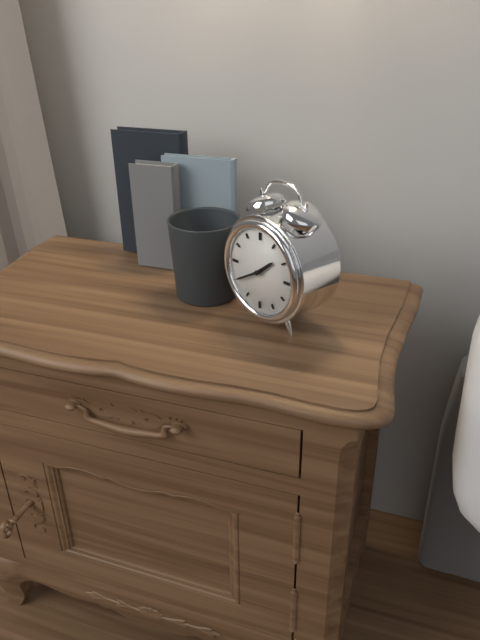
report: 1,40
